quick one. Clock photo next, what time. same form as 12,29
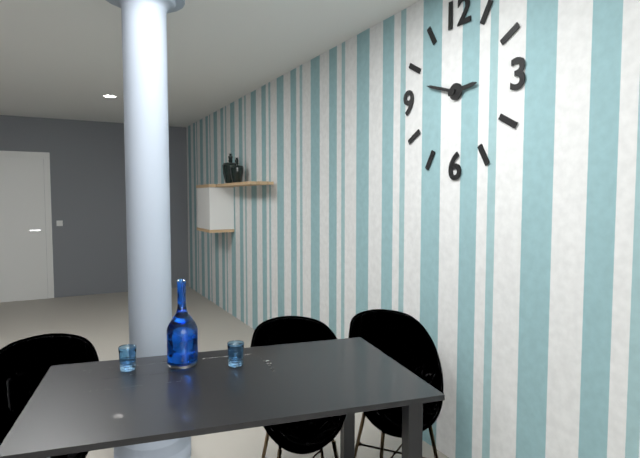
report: 2,48
